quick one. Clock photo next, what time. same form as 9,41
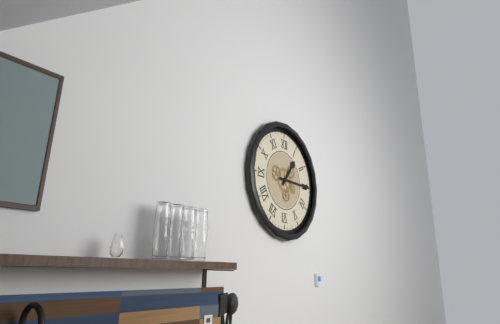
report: 1,15
